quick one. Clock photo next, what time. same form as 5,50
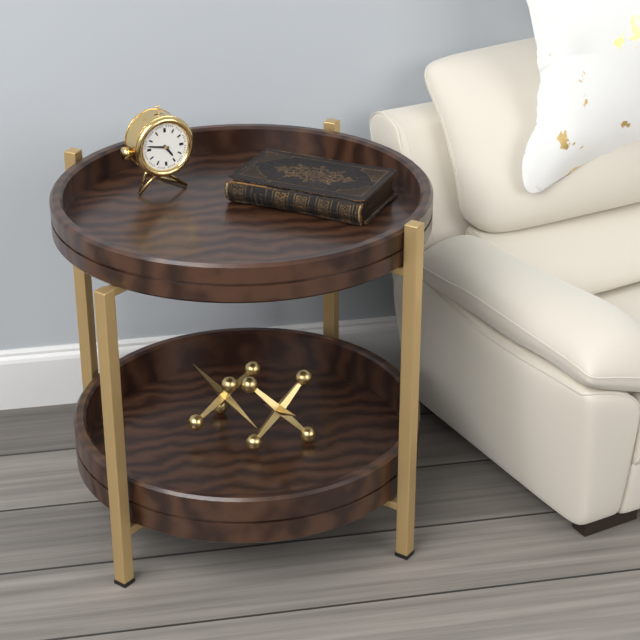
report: 4,47
